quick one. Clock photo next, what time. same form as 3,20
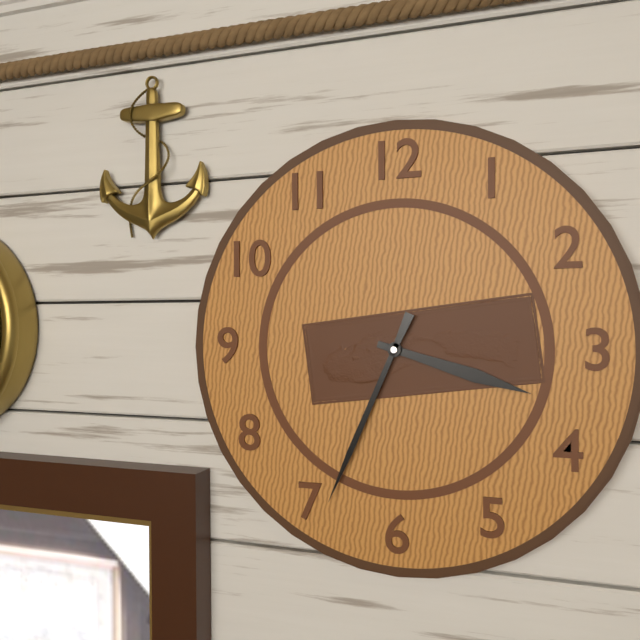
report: 3,34
